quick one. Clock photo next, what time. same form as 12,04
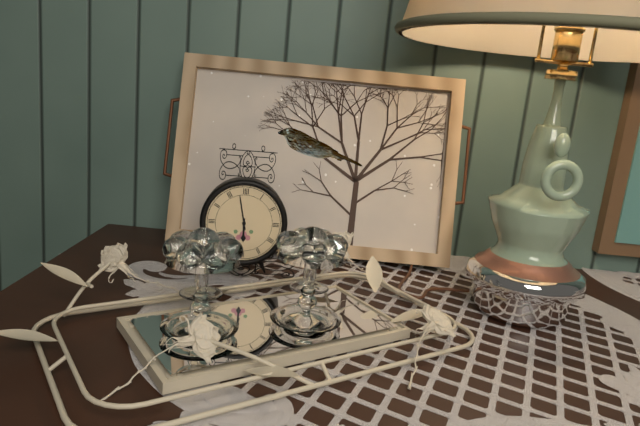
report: 5,58
